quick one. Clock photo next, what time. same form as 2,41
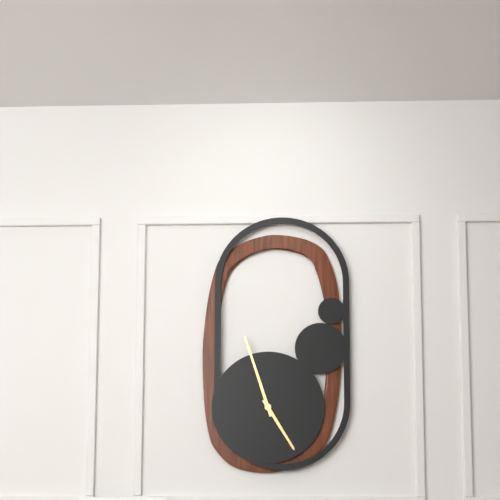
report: 4,57
